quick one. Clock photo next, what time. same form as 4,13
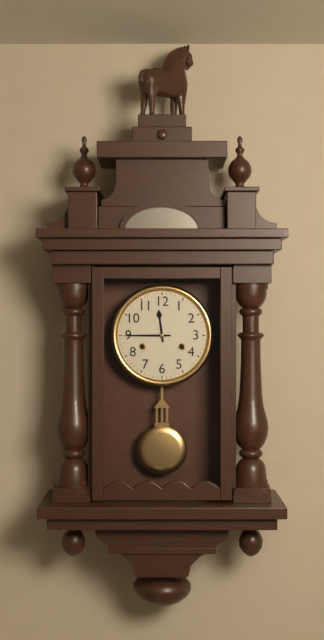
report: 11,45
